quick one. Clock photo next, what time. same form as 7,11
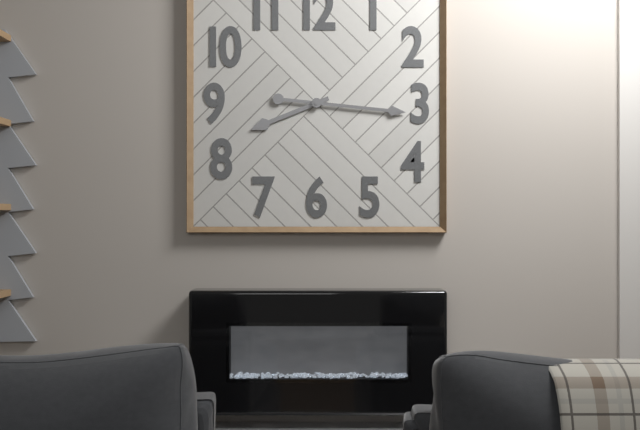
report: 8,16
